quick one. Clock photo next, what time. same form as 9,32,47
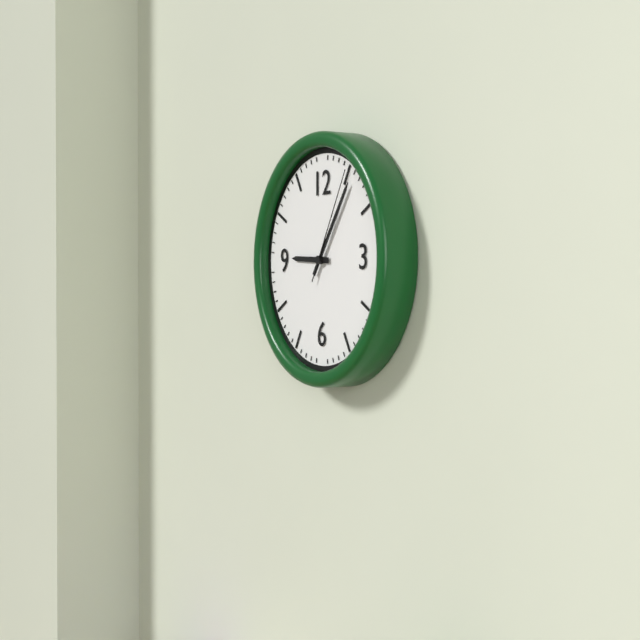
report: 9,06,05
